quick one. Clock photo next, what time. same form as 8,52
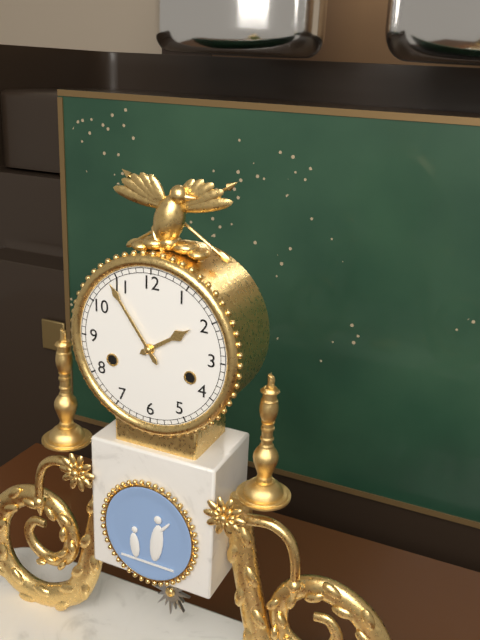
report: 1,54
